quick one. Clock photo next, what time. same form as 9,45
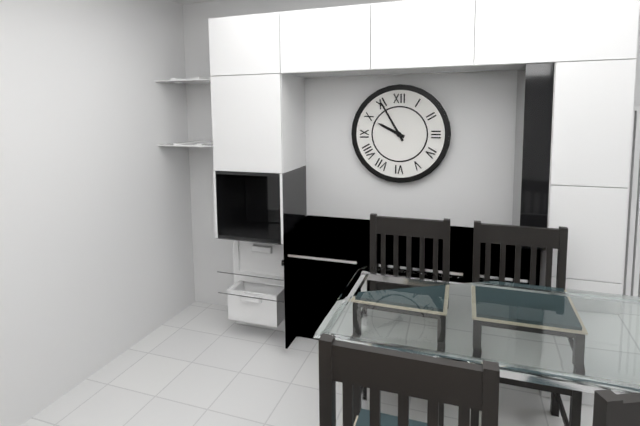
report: 9,55
